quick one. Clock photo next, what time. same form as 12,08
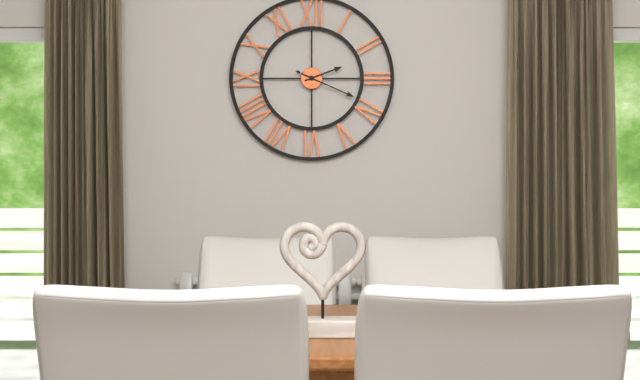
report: 2,19
